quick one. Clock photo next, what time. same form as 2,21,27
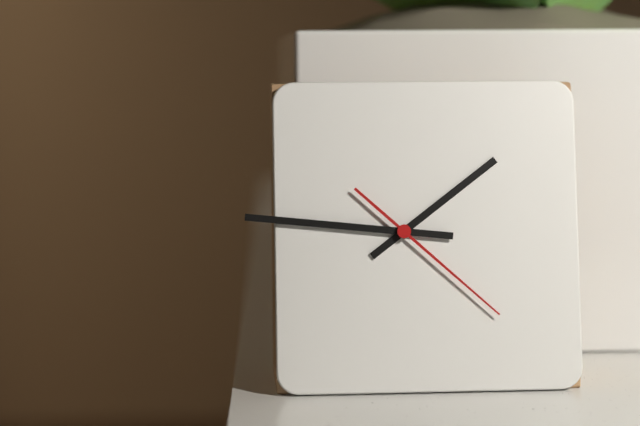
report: 1,46,22
